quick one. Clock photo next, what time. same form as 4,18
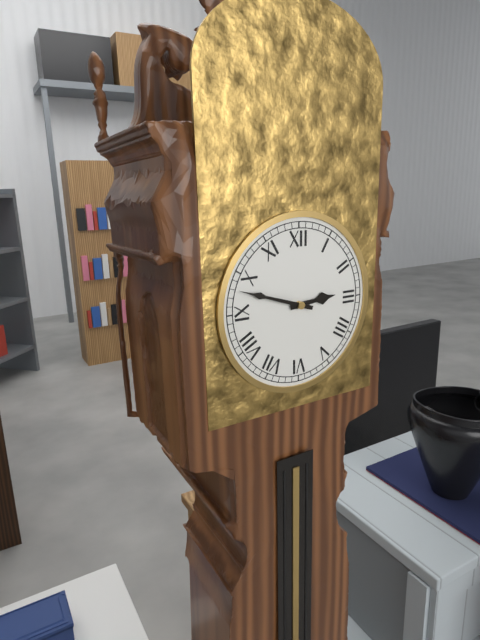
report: 2,48
